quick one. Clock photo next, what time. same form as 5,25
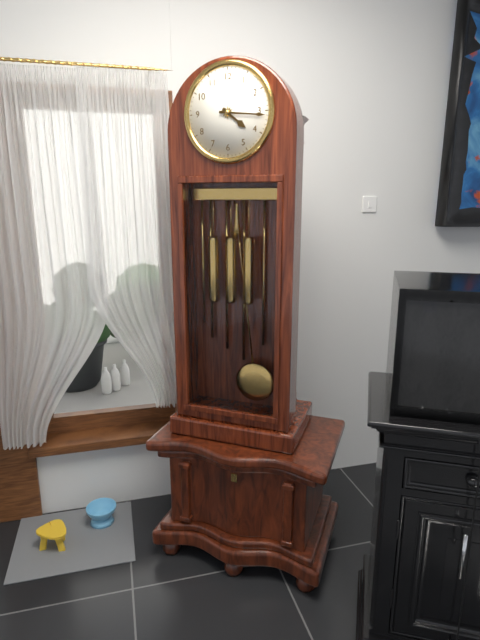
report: 4,16
